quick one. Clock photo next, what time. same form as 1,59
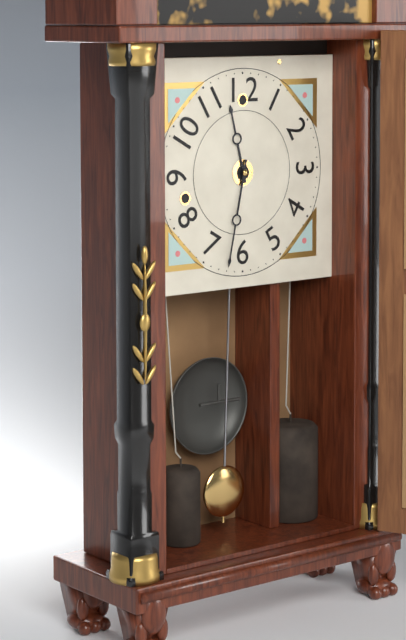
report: 11,32
